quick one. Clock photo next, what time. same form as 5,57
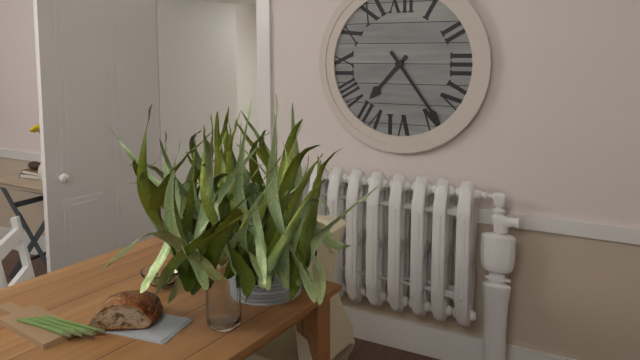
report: 7,24
